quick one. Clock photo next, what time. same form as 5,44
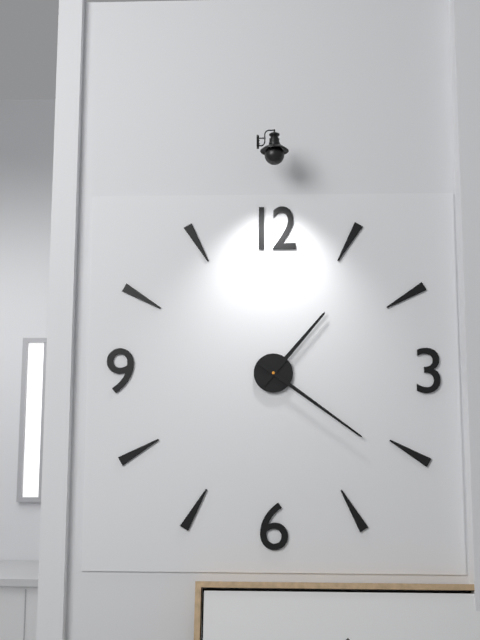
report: 1,21
